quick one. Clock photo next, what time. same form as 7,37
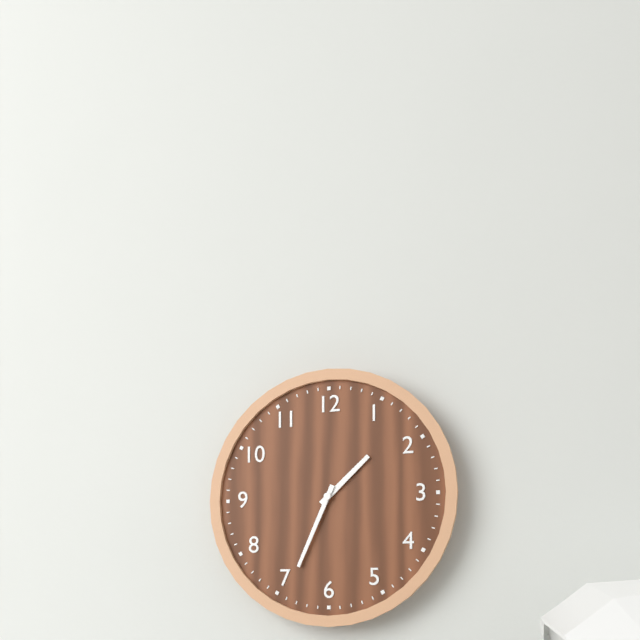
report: 1,34
